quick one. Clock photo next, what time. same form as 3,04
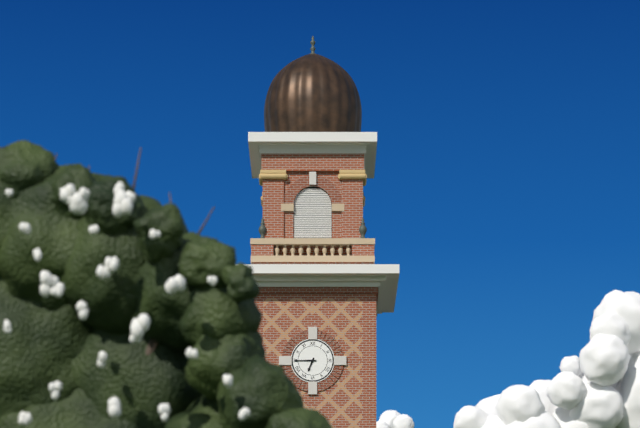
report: 6,45
